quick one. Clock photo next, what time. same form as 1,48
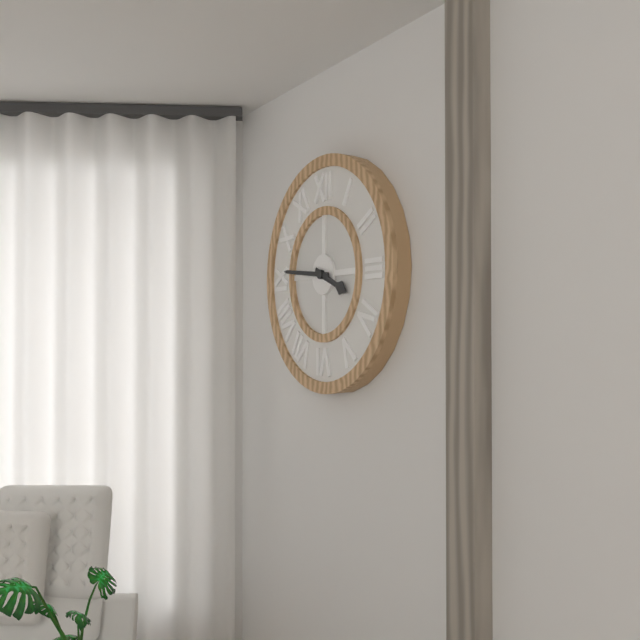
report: 3,46
